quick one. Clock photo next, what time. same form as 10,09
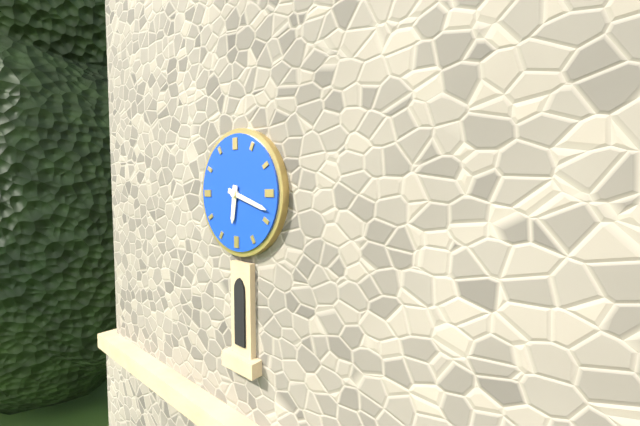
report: 6,18
